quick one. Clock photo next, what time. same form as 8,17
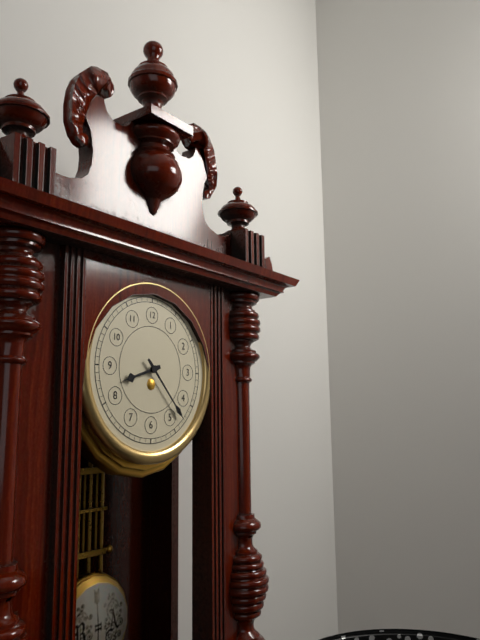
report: 8,23
